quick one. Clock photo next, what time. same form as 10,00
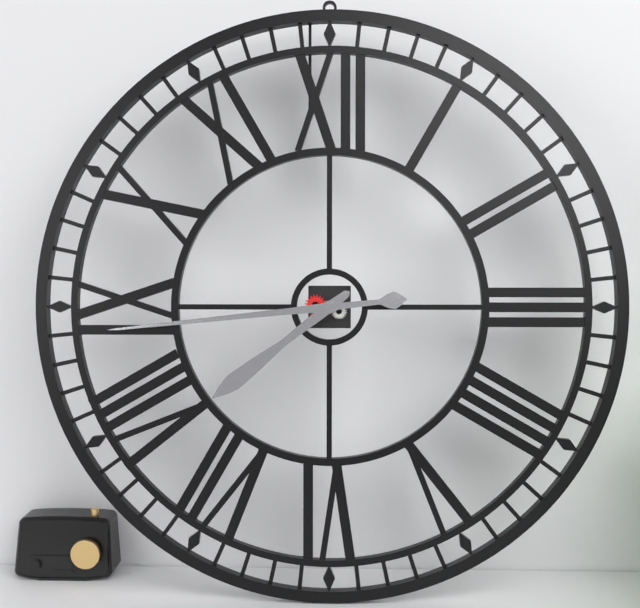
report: 7,44
